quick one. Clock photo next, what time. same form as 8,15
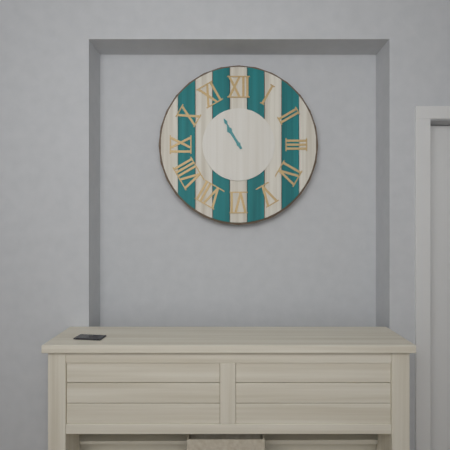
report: 10,55
